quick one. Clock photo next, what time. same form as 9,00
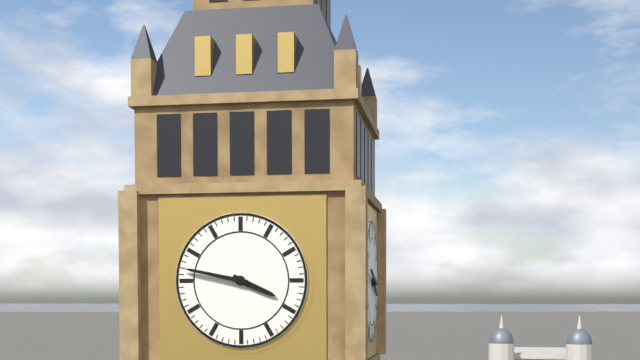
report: 3,47
